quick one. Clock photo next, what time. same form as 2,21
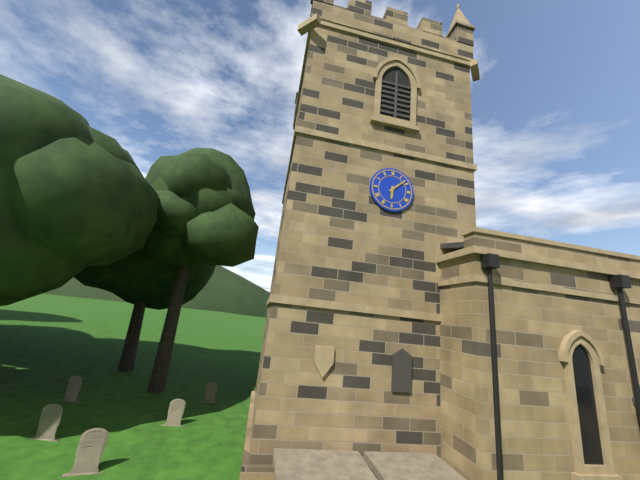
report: 6,08
